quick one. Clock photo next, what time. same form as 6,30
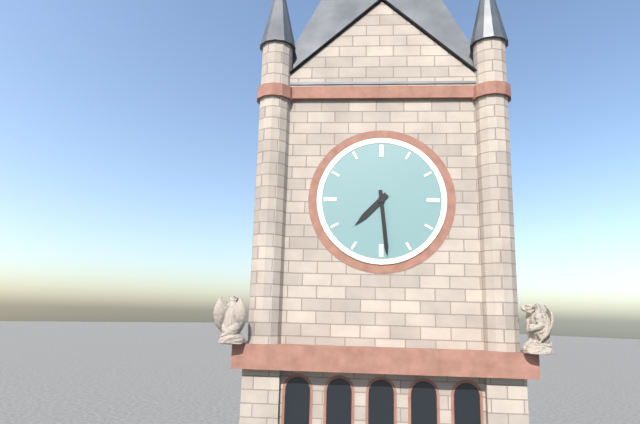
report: 7,29
